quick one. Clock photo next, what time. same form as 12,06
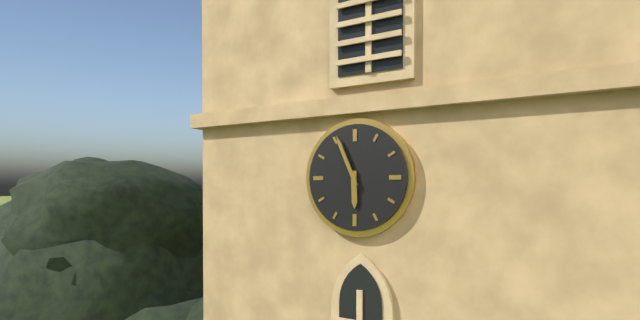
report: 5,56
